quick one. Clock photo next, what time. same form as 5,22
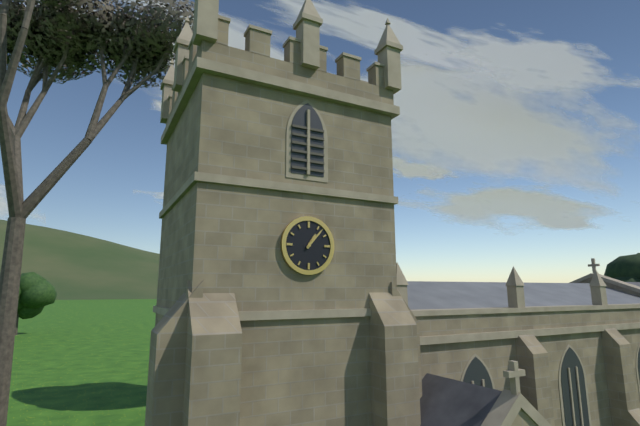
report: 1,07
